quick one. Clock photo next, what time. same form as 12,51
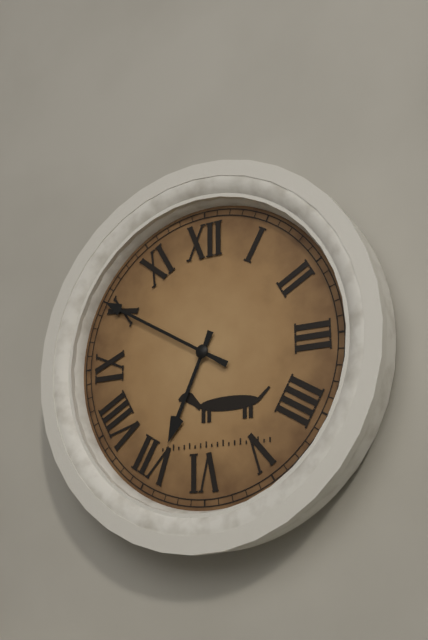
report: 6,50
